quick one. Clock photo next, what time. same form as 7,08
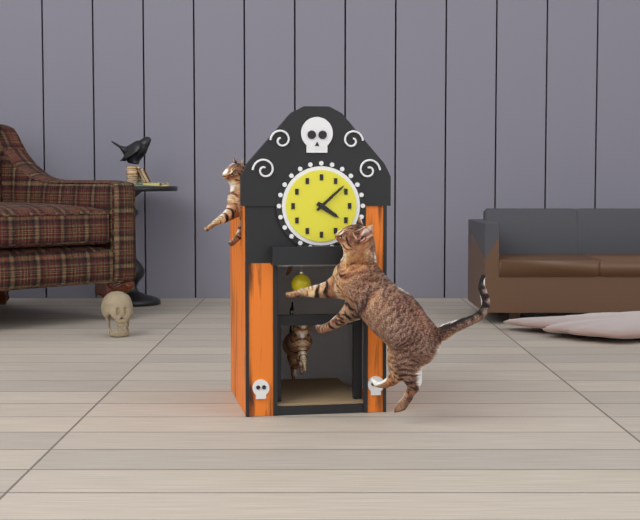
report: 4,08
